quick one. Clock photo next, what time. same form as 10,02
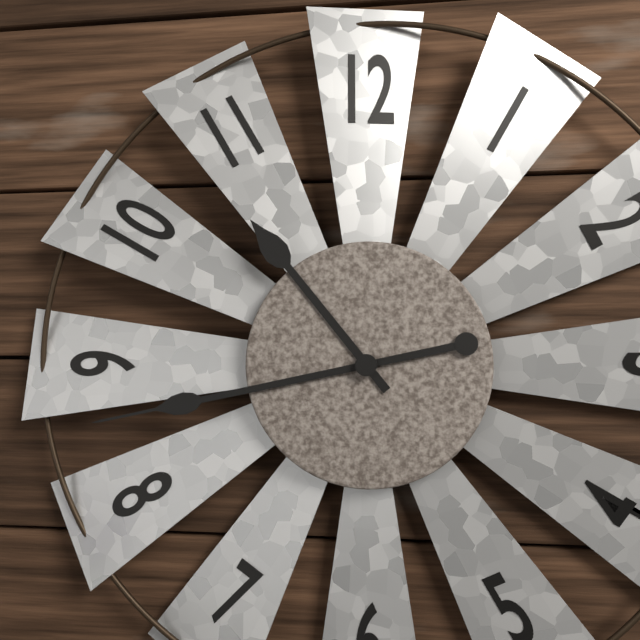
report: 10,43
